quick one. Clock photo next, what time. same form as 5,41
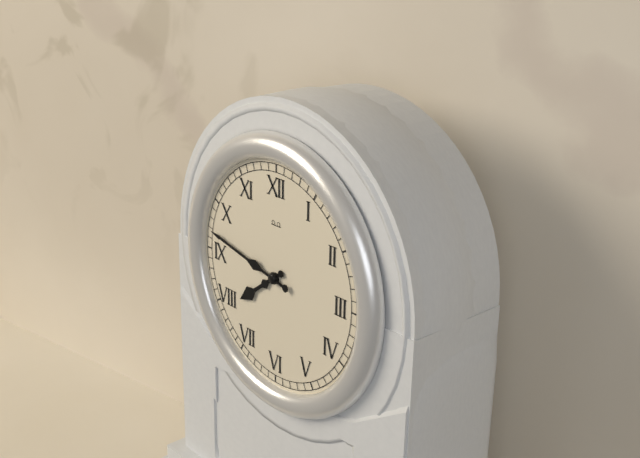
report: 7,47
